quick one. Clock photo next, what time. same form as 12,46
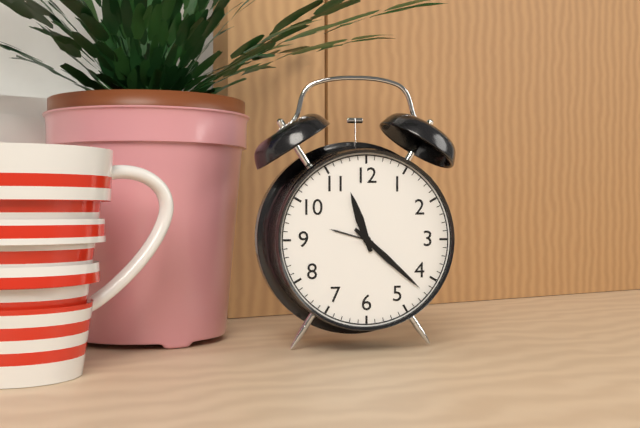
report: 11,22
